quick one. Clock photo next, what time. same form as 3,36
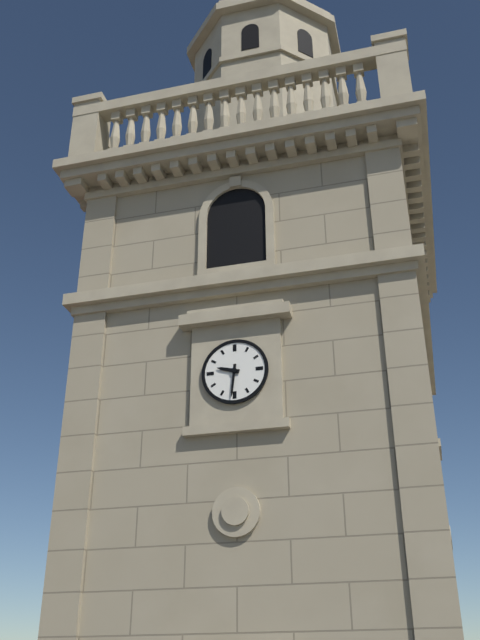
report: 9,31
